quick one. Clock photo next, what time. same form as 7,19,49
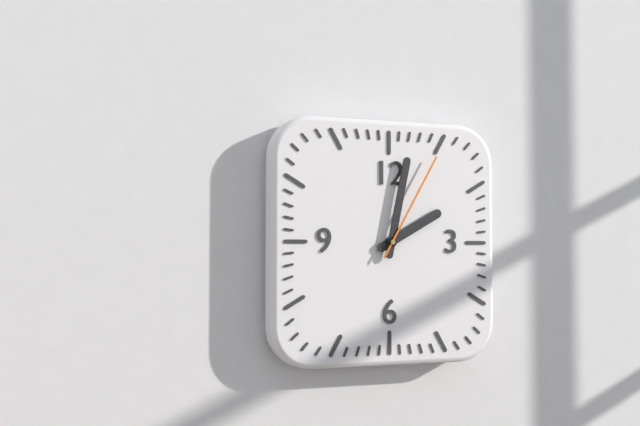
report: 2,02,05
